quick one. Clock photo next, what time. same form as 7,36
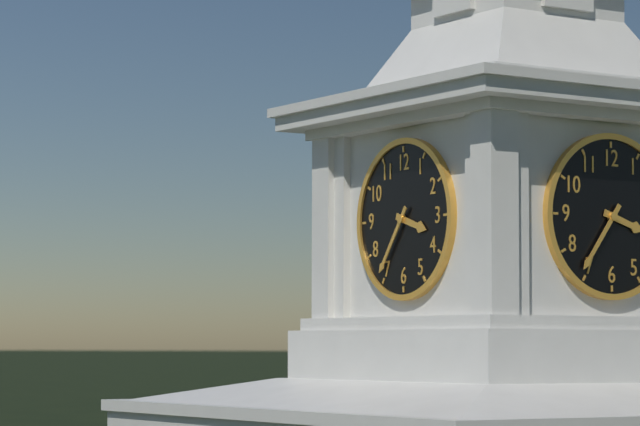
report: 3,36
